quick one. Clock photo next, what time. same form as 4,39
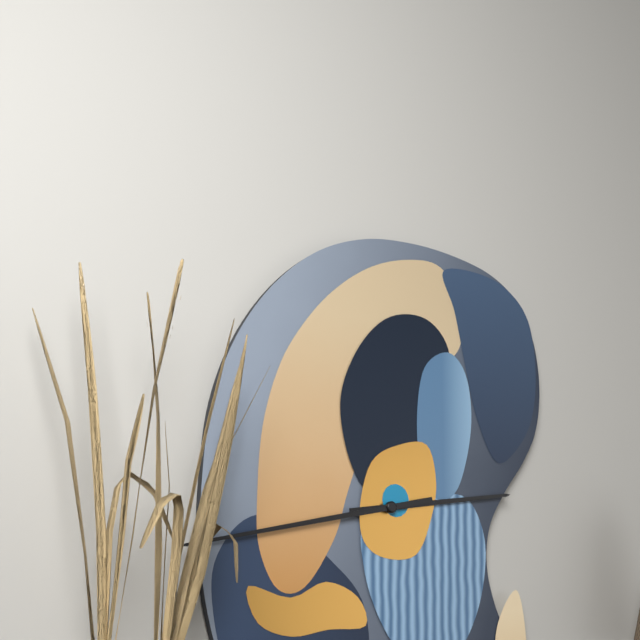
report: 2,43
